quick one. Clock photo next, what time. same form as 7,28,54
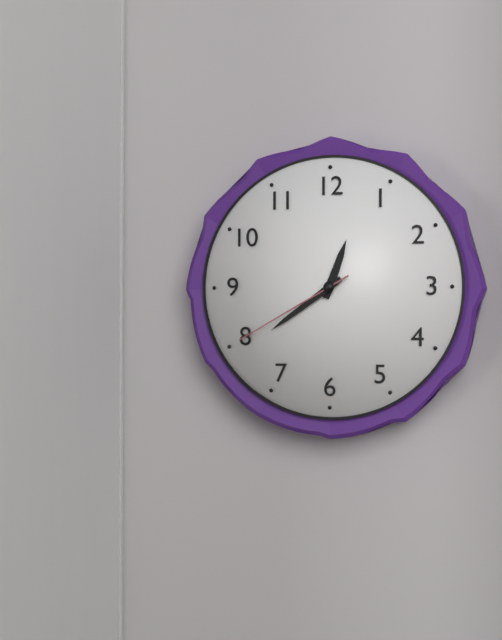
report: 12,39,40
